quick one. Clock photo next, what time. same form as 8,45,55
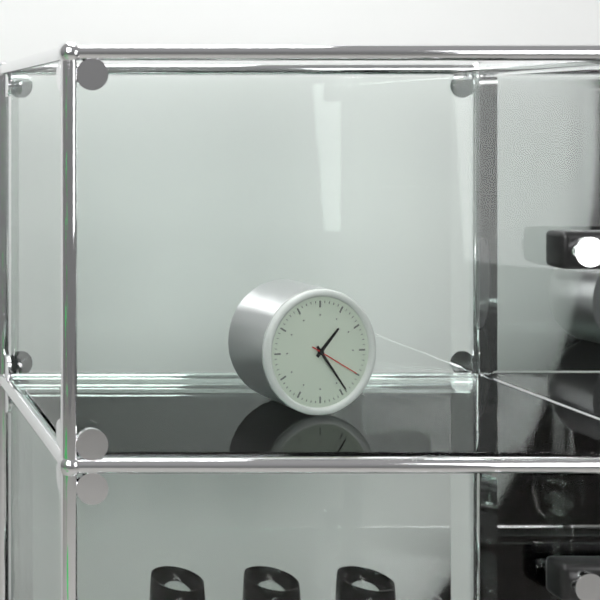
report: 1,24,20
